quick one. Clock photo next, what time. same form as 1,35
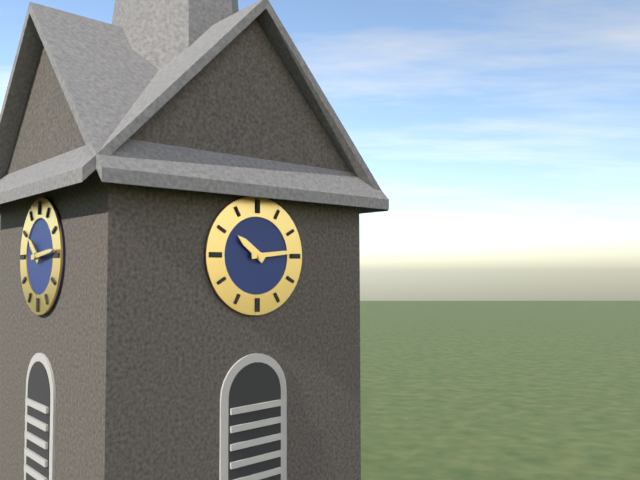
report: 10,14
